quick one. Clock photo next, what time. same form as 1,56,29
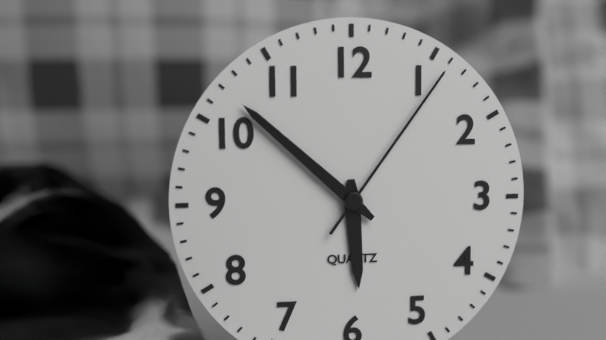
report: 5,52,06
